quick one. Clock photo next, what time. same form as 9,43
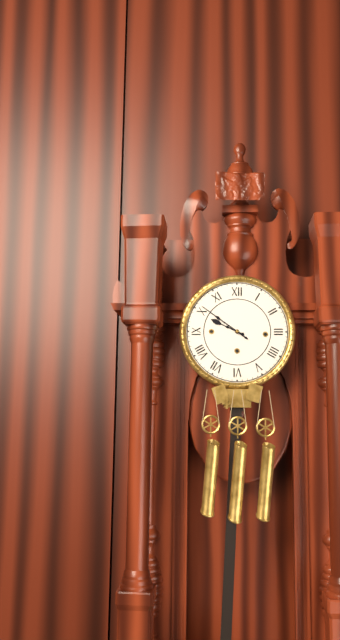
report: 9,51
